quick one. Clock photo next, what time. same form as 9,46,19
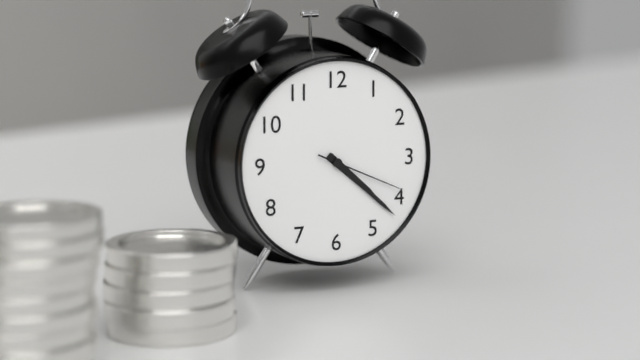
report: 4,22,19
